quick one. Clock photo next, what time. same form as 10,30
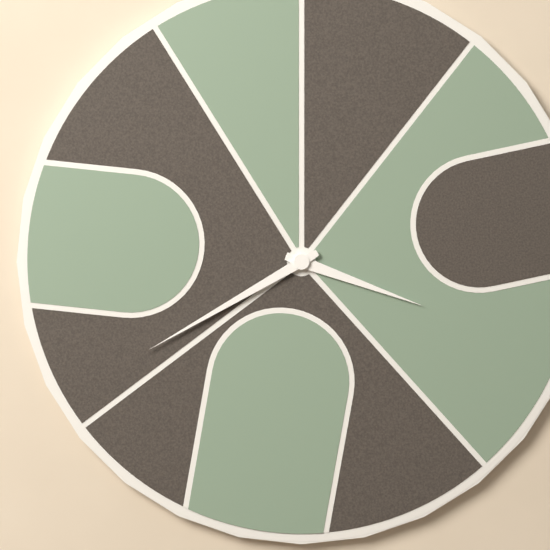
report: 3,40
